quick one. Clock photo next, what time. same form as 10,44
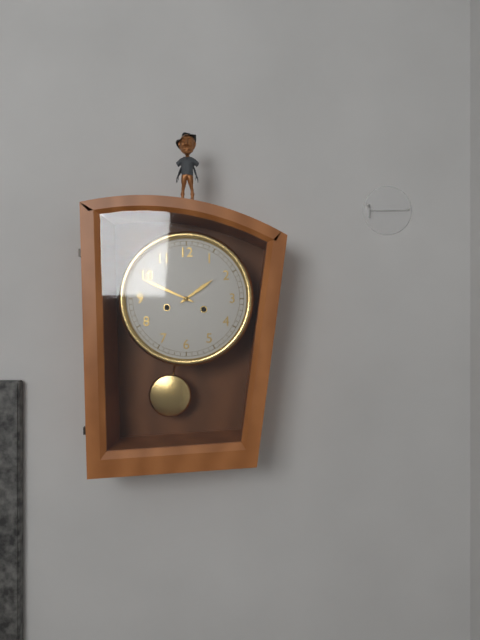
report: 1,49
